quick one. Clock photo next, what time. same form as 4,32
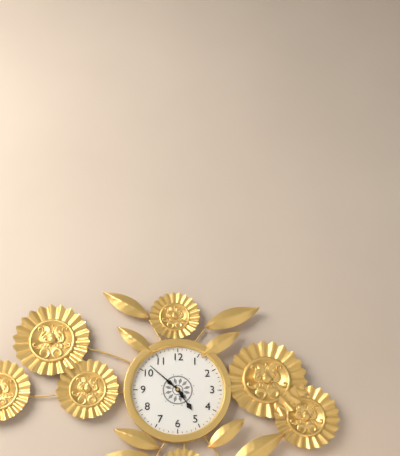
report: 4,52
